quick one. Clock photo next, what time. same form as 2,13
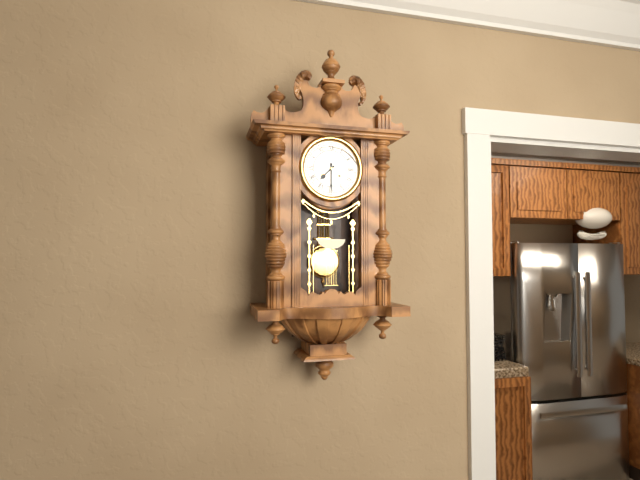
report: 7,30
